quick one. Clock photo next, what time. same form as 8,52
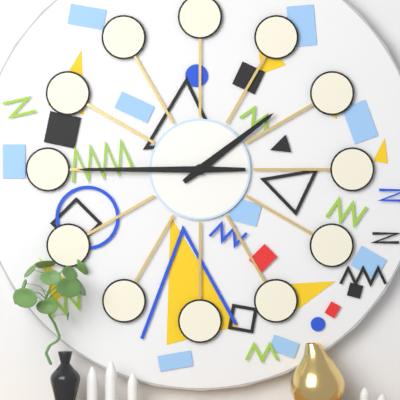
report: 1,45
